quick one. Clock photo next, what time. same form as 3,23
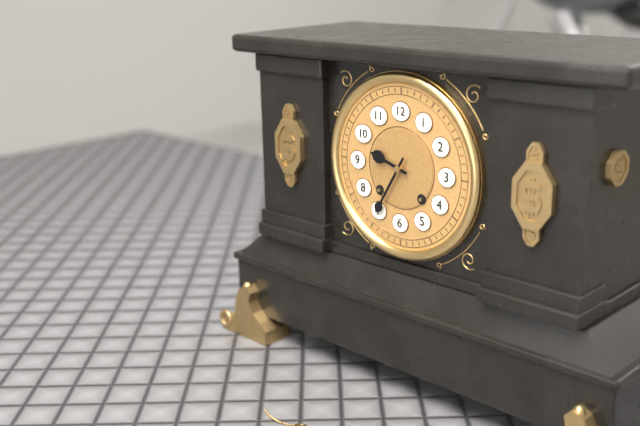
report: 9,35
